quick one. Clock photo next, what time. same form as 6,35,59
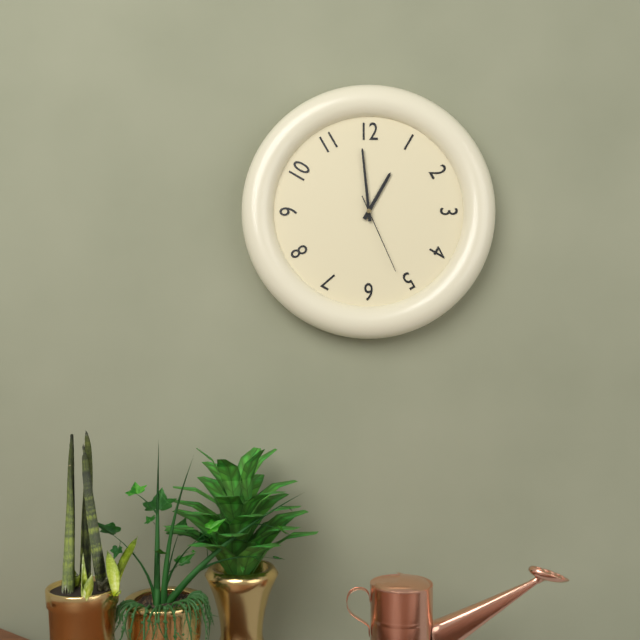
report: 12,59,26
